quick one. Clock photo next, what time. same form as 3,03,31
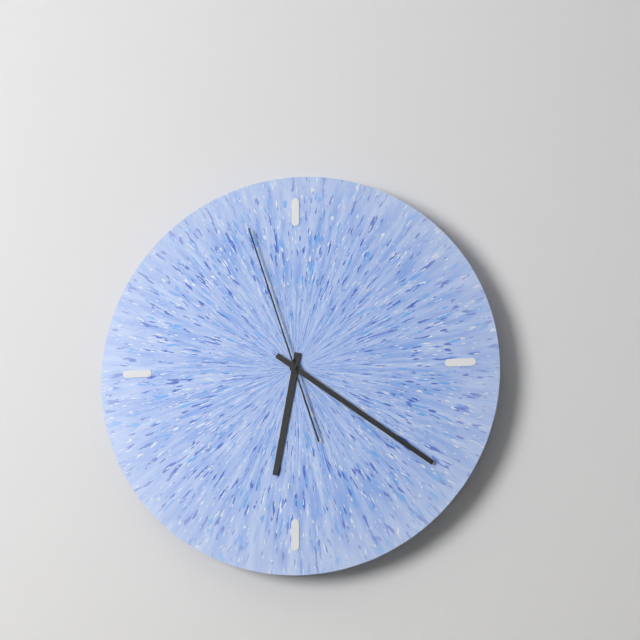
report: 6,21,57
